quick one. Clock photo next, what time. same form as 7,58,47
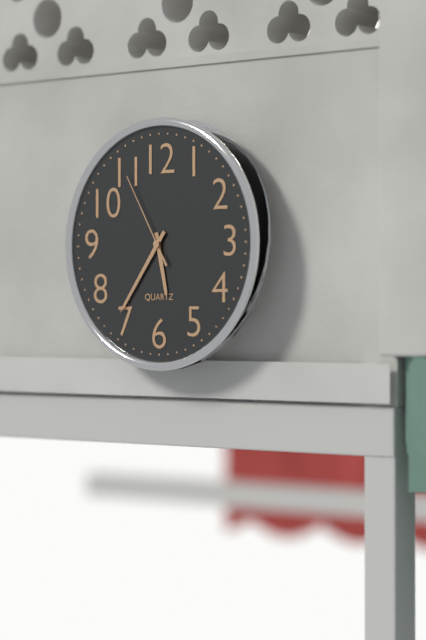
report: 5,36,55
